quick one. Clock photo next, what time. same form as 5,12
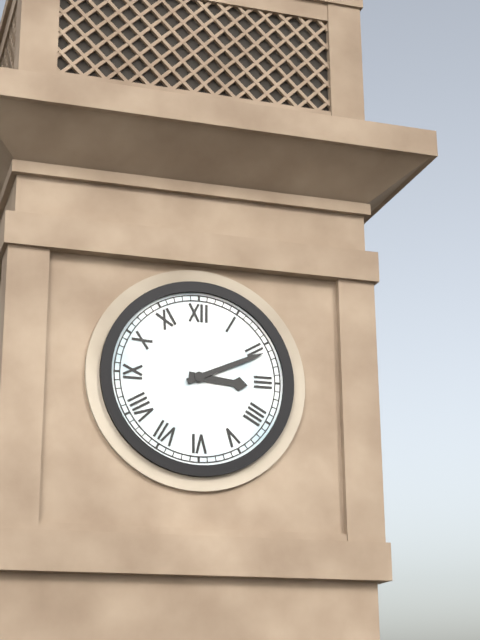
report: 3,11
